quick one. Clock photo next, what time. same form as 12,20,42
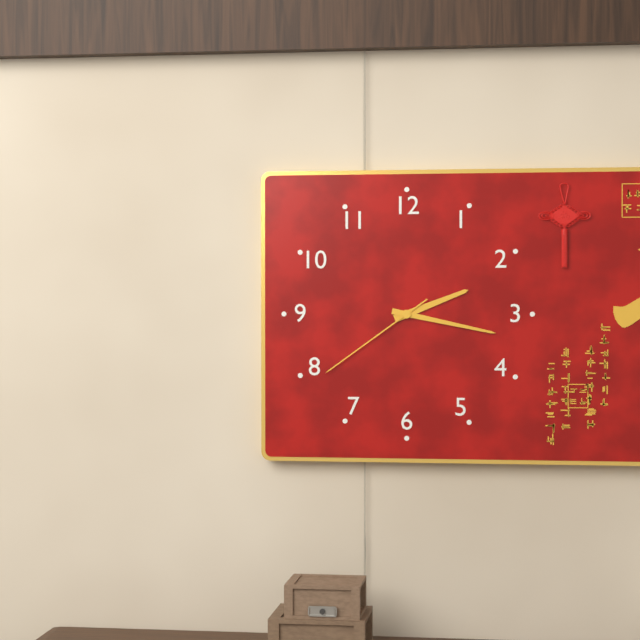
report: 2,17,39
